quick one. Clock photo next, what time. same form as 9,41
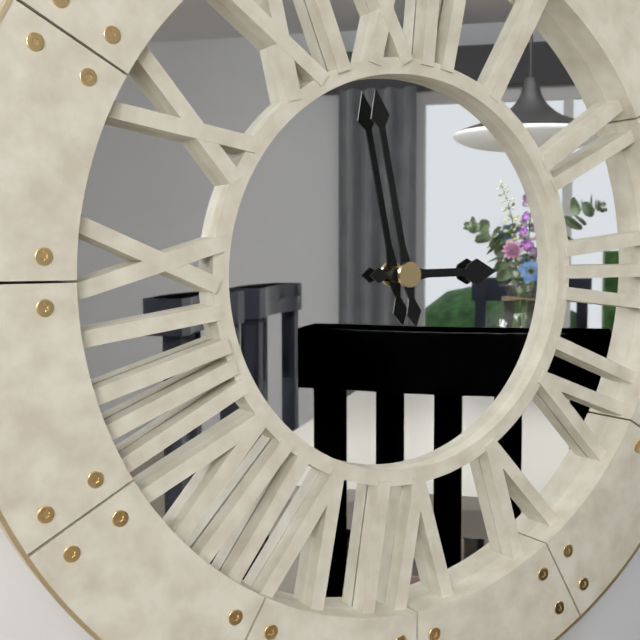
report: 2,58
